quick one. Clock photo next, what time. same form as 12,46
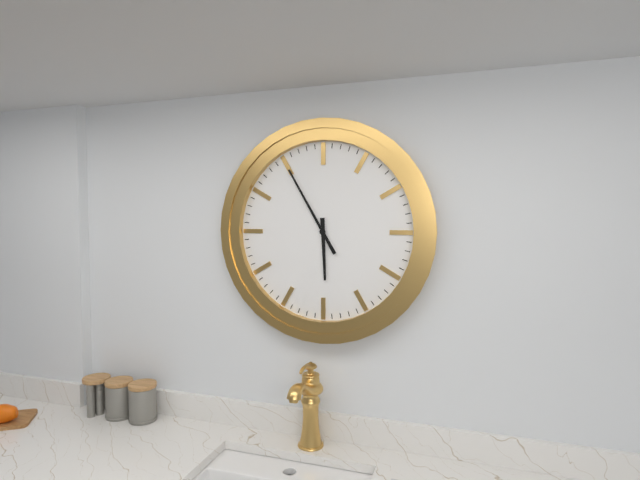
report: 5,55
